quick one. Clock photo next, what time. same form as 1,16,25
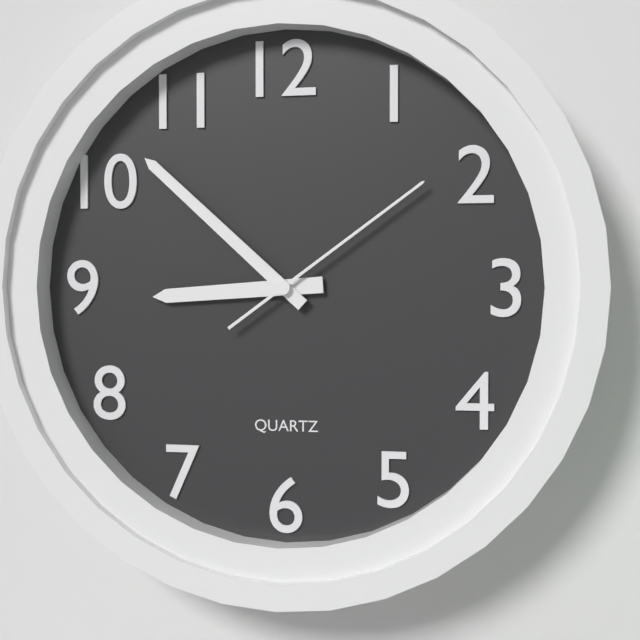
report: 8,52,09
